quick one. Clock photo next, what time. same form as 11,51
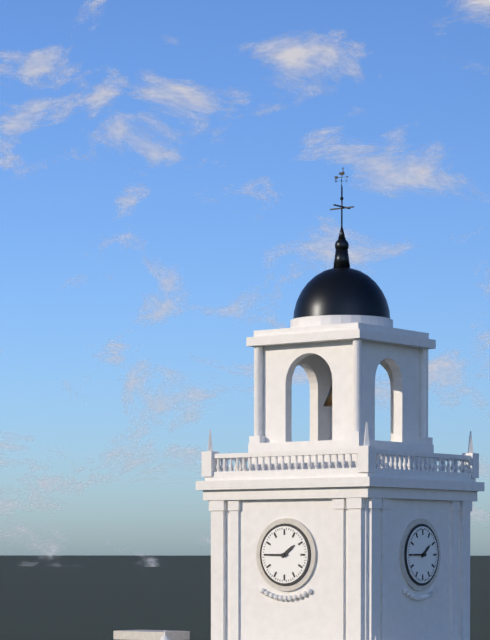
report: 1,45
